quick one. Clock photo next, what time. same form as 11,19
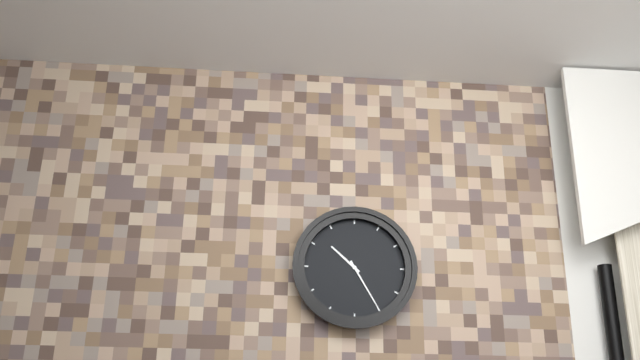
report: 10,25
